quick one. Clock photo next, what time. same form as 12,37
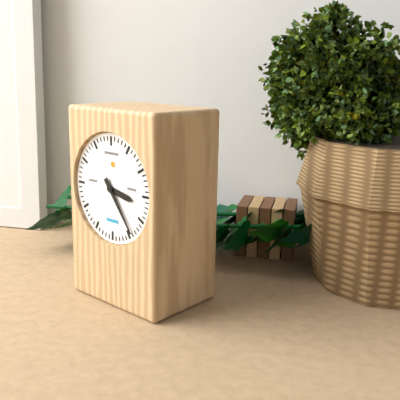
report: 3,24
